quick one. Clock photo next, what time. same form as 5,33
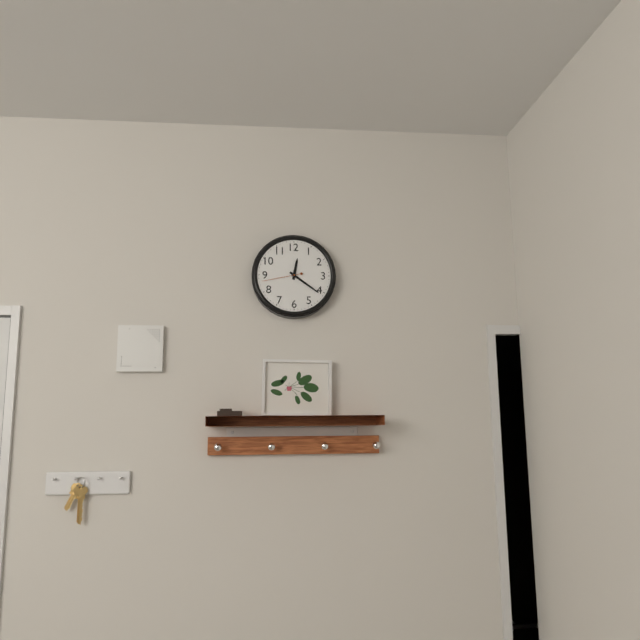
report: 12,21
